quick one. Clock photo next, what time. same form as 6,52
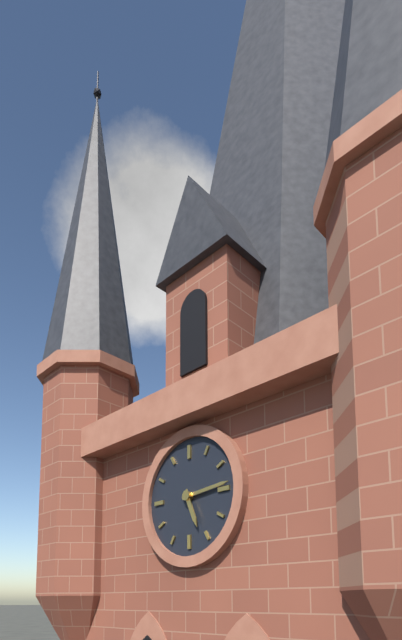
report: 5,14
